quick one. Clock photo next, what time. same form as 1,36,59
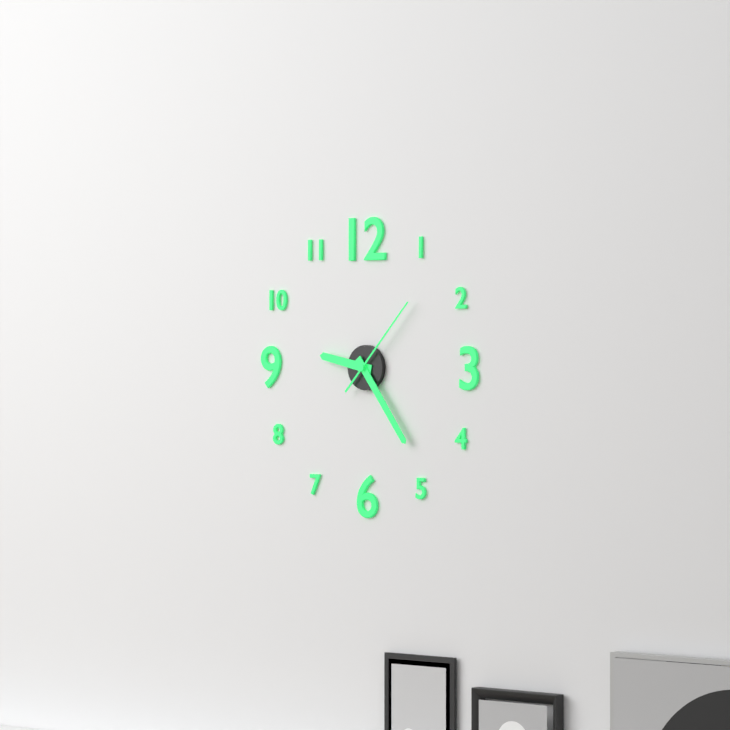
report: 9,24,07
